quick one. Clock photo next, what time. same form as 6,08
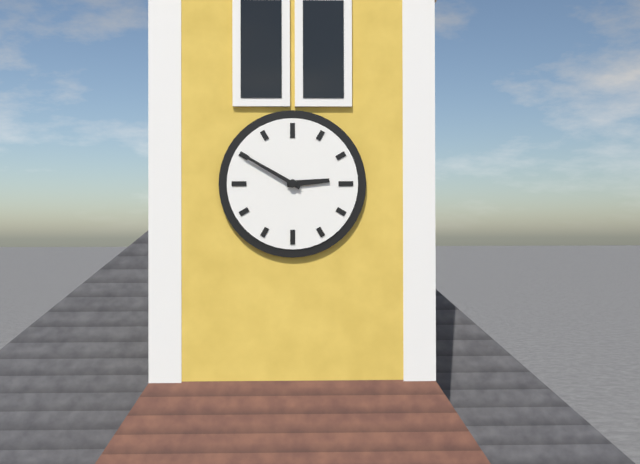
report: 2,50
